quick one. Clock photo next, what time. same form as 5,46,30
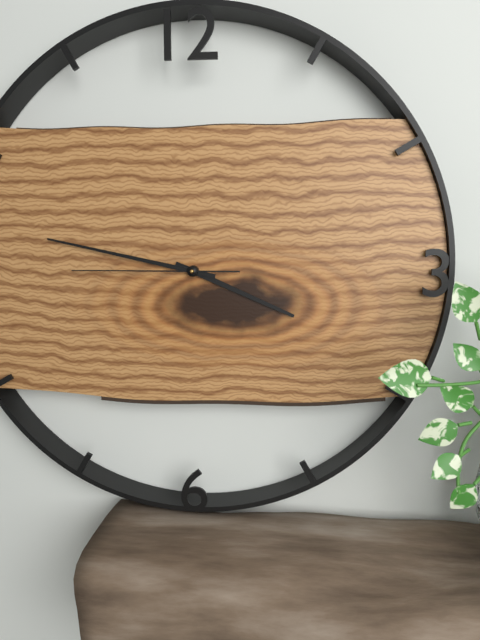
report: 3,47,45
